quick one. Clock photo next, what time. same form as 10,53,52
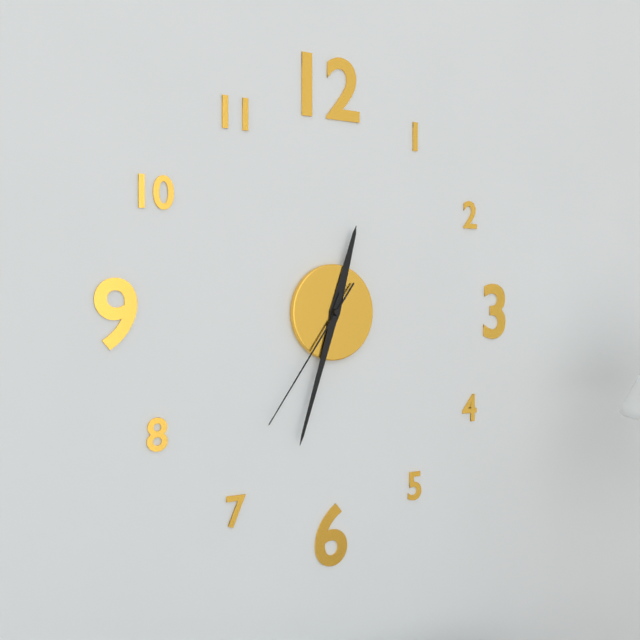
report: 12,33,36
